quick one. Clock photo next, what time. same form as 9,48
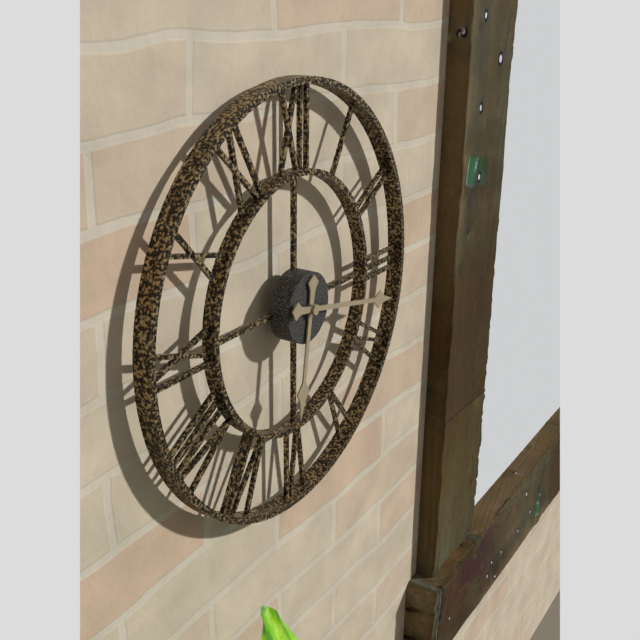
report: 6,17
